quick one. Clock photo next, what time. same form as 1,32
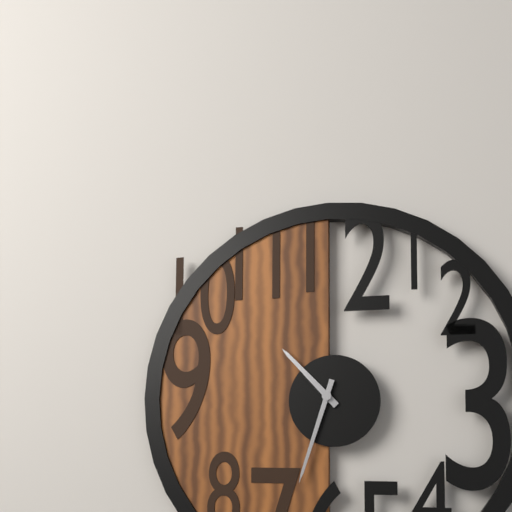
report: 10,33
